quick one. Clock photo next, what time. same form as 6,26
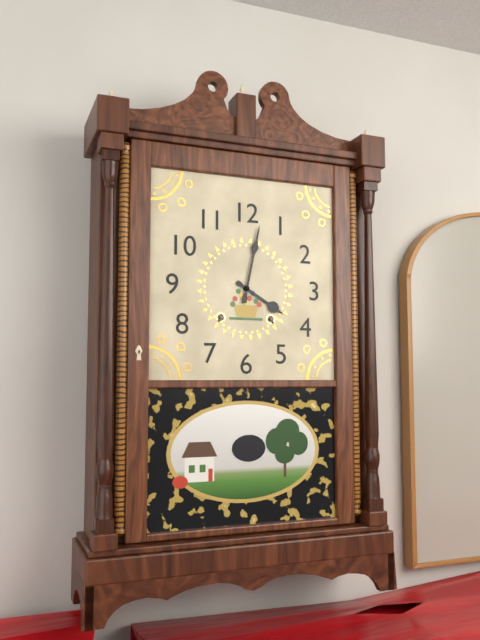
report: 4,02
